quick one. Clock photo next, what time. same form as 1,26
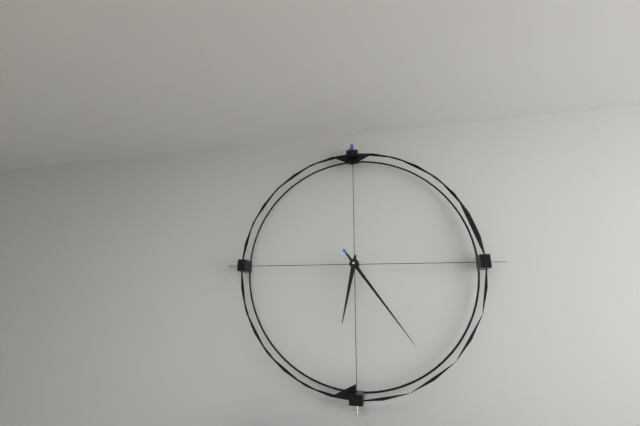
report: 6,24
